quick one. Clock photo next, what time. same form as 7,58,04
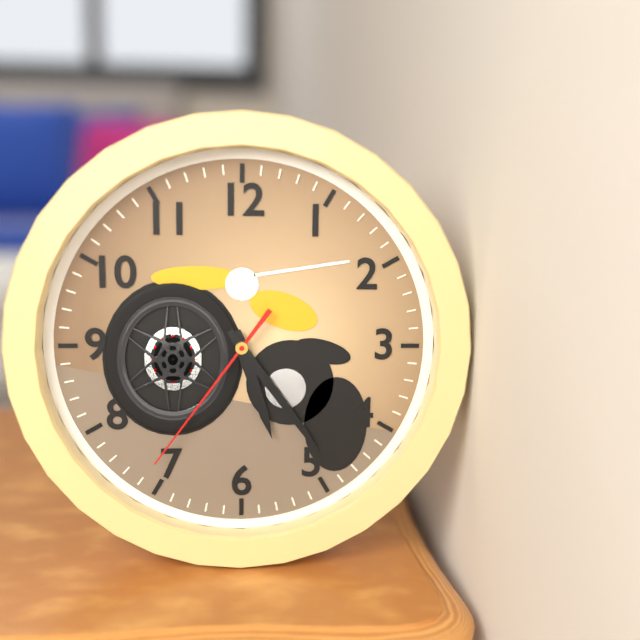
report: 5,24,36
